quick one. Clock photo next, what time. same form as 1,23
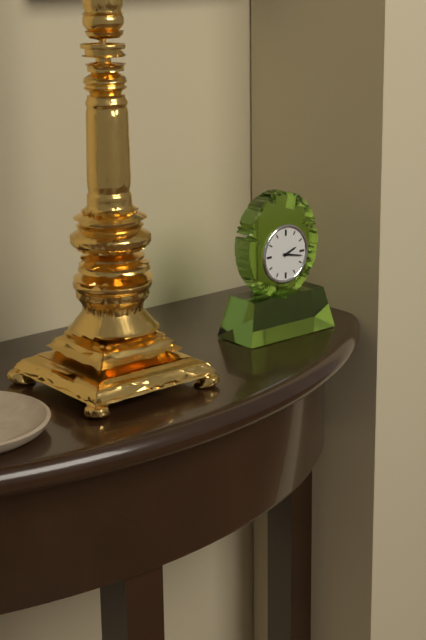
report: 2,17
